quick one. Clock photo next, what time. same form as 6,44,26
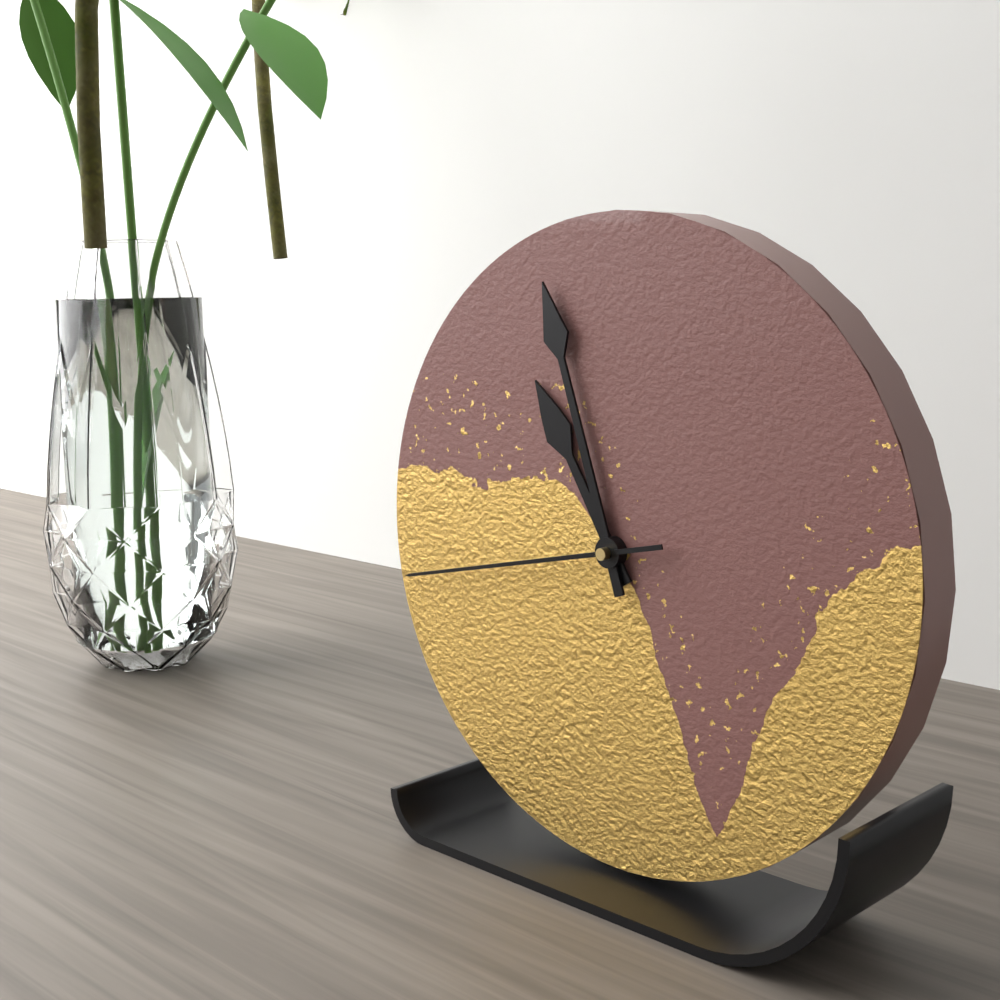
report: 10,57,43
